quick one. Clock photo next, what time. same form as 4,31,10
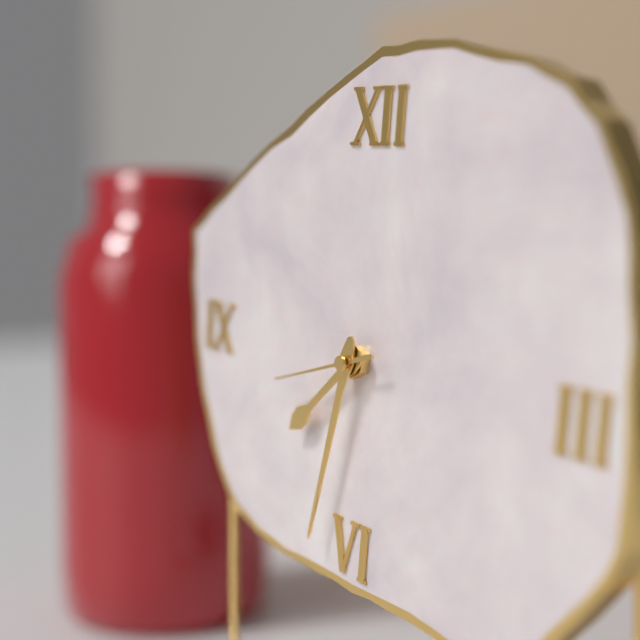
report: 7,32,42
